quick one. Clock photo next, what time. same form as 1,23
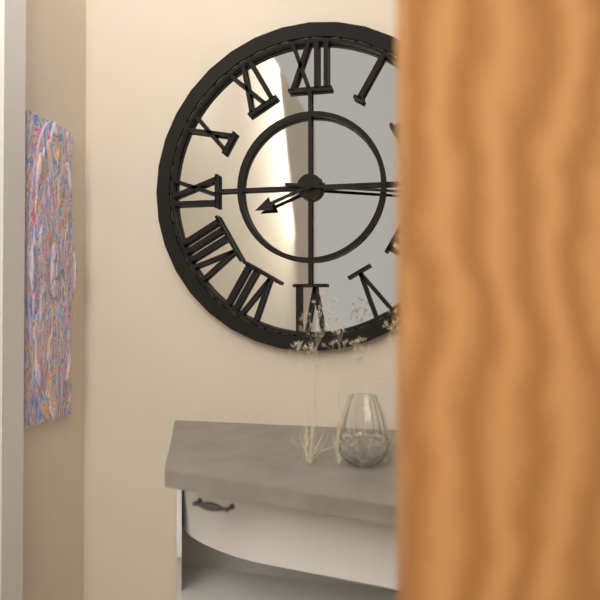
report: 8,16
